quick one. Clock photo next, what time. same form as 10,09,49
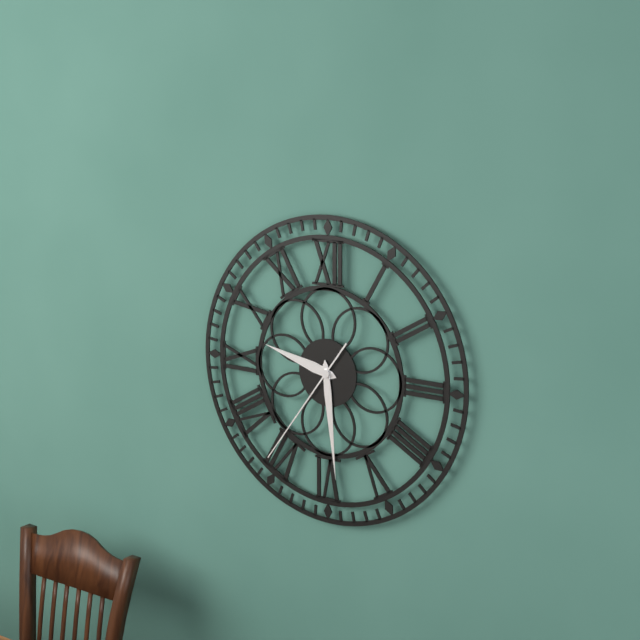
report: 9,29,36
